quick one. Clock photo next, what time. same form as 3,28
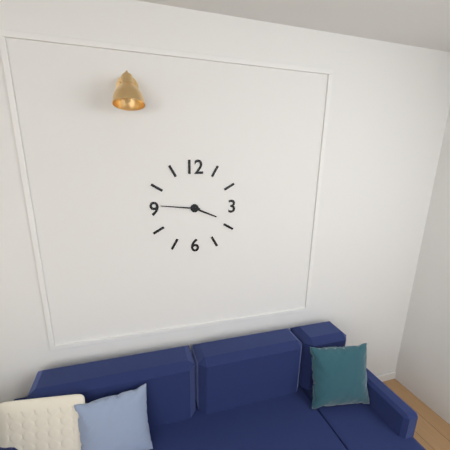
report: 3,46
